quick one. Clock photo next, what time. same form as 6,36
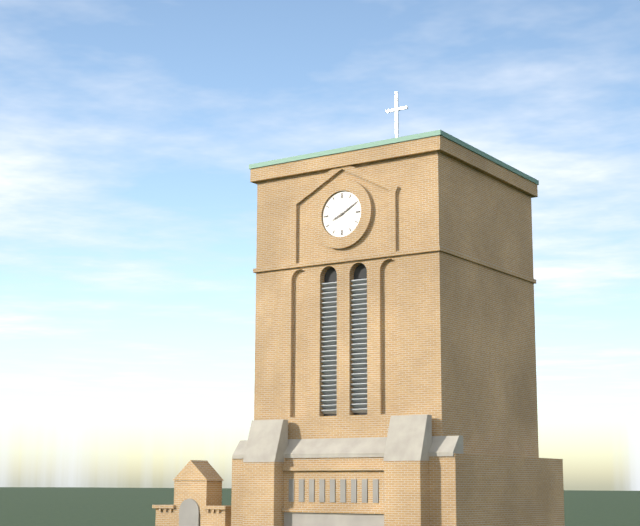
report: 8,10
